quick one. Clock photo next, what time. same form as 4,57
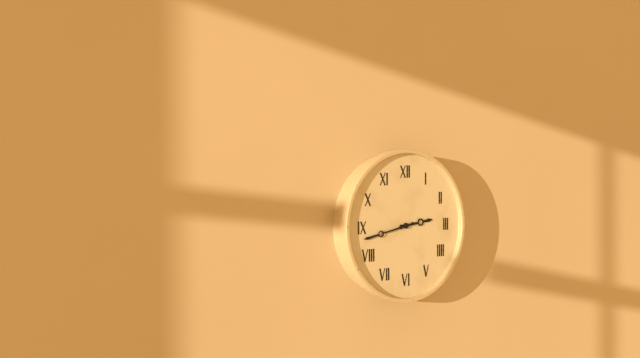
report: 2,43
